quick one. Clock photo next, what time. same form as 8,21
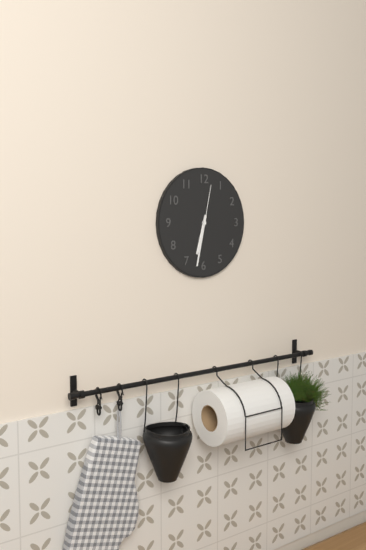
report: 6,32
